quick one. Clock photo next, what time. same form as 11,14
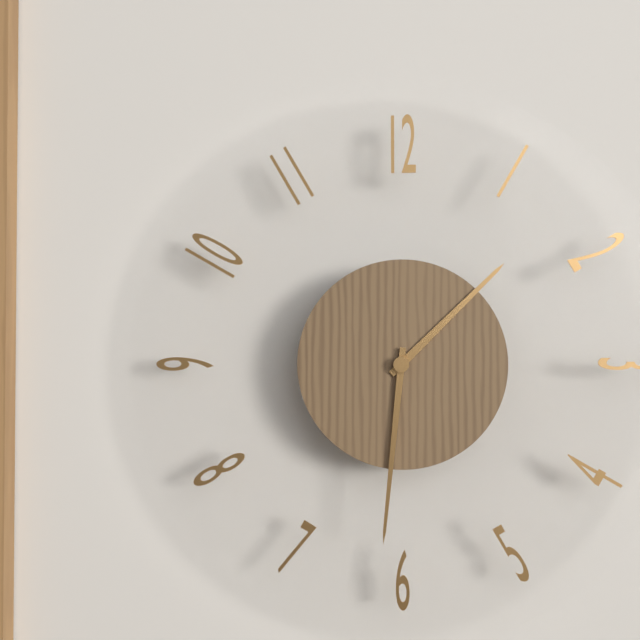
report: 1,31
